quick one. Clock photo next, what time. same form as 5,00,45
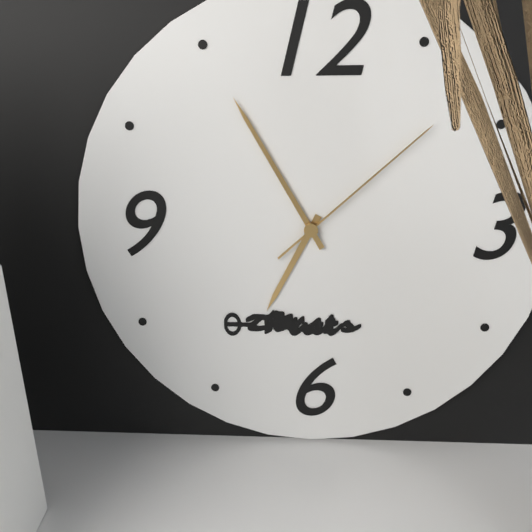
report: 6,55,08
